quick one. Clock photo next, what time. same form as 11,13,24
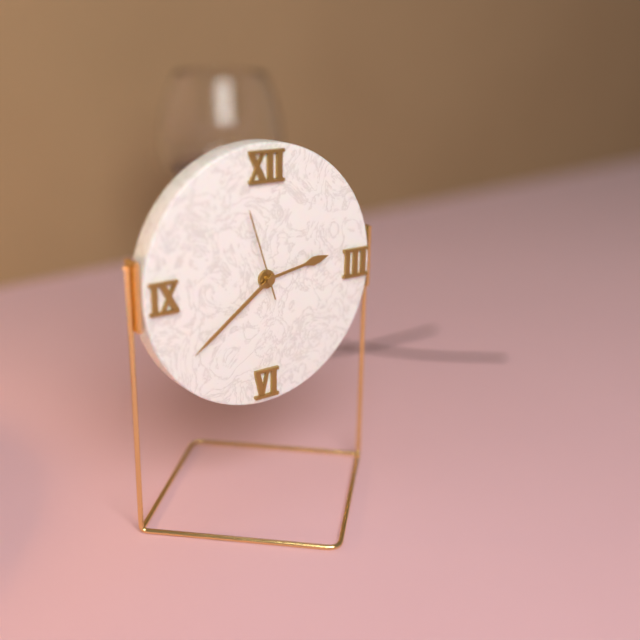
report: 2,39,57
